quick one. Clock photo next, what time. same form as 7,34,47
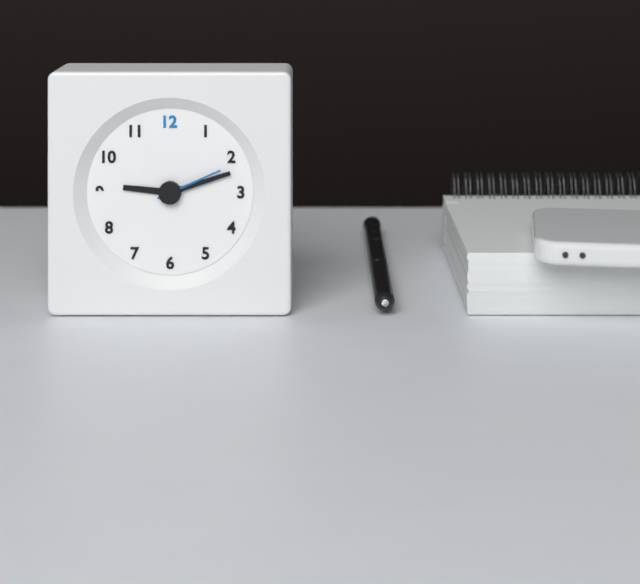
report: 9,12,11
